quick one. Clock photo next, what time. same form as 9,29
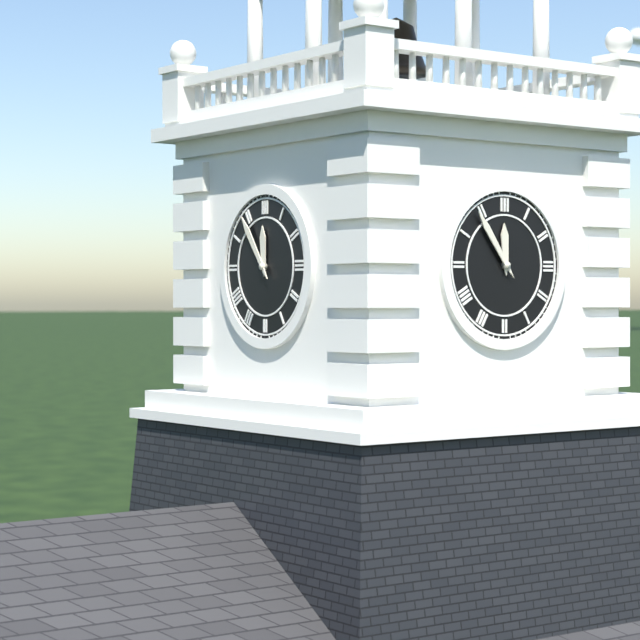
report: 11,54
